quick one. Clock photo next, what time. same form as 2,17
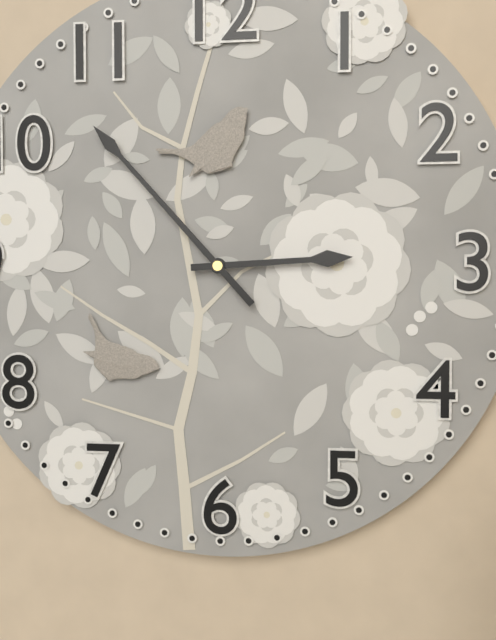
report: 2,53
